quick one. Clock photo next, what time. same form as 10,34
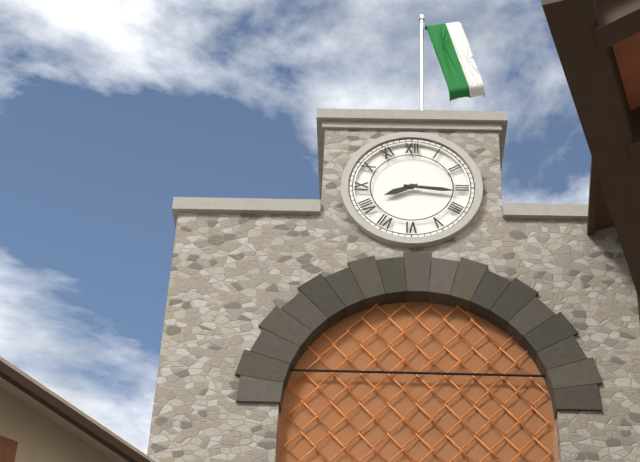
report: 8,16
